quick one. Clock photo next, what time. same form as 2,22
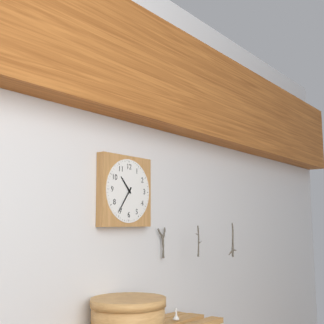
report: 10,36
